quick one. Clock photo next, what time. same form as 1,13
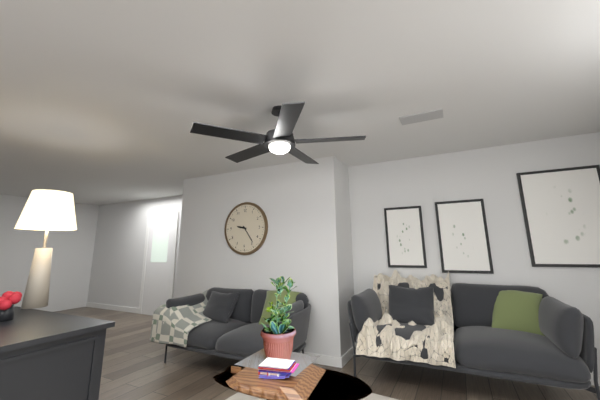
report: 9,24
